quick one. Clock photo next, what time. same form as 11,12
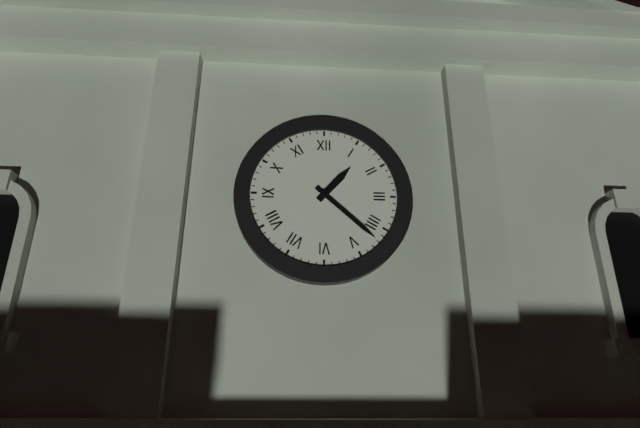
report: 1,22
